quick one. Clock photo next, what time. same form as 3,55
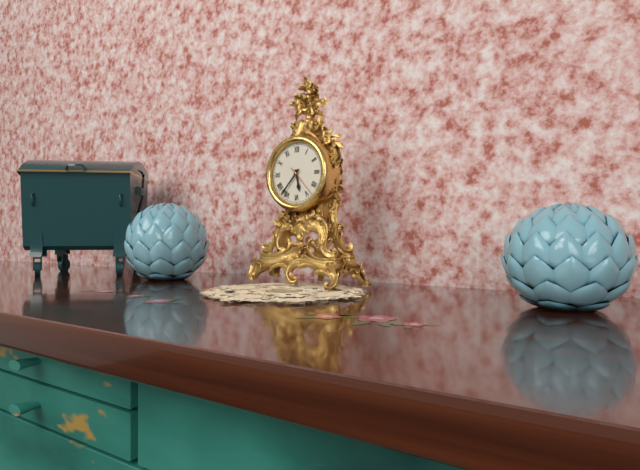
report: 5,37
